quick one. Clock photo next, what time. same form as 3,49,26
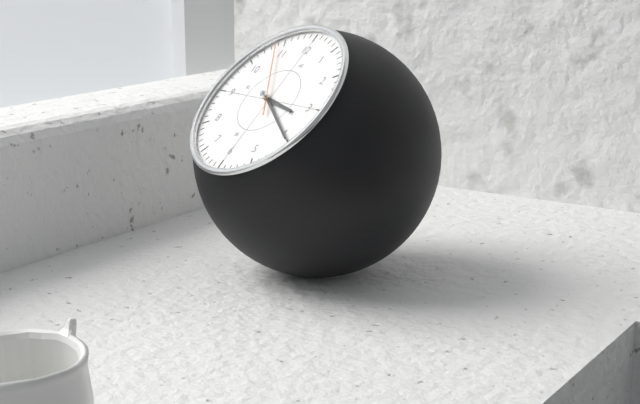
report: 3,20,54
